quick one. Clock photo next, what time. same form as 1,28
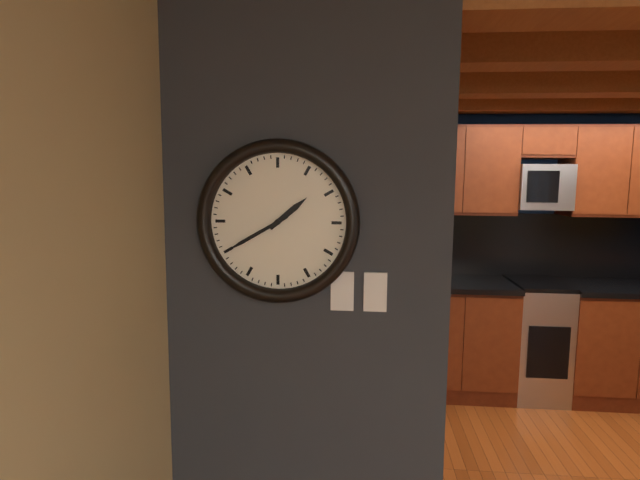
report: 1,40
